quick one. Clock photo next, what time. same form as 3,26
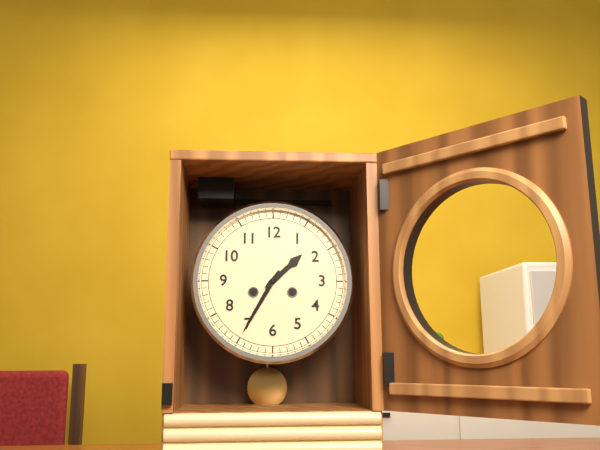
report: 1,35
